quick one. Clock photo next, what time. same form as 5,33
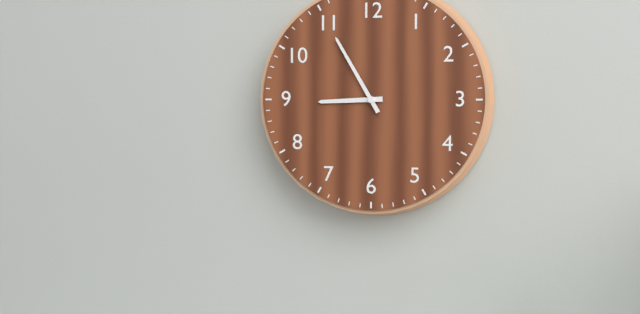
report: 8,55
